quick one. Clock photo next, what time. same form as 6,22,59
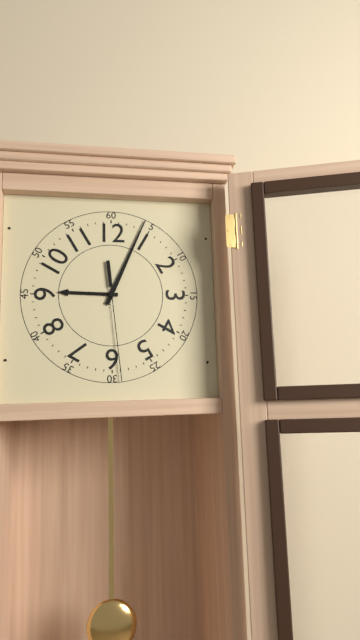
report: 9,04,29
